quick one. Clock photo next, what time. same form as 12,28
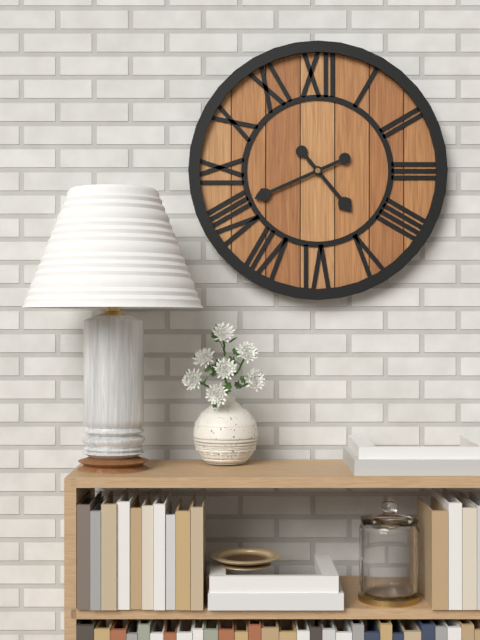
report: 4,41
